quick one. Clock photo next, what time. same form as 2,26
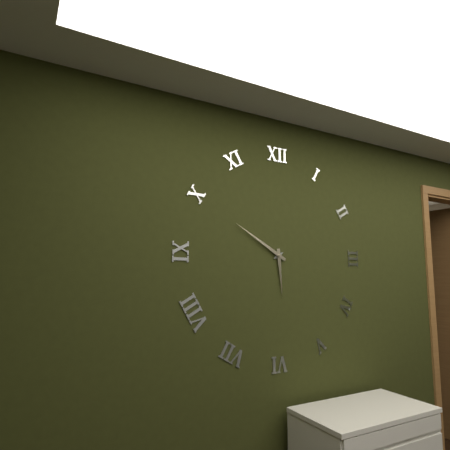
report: 5,50
